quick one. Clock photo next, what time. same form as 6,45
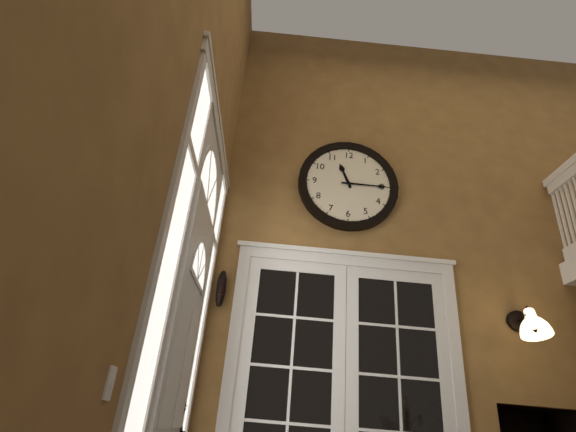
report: 11,15
